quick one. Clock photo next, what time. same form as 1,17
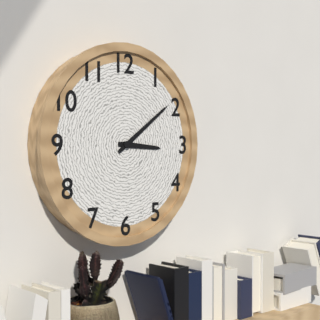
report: 3,09
